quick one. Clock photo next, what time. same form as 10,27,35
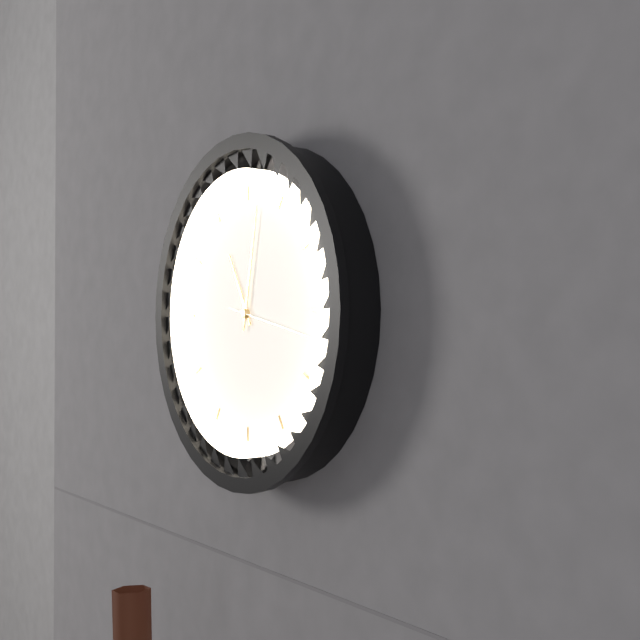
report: 11,02,17
